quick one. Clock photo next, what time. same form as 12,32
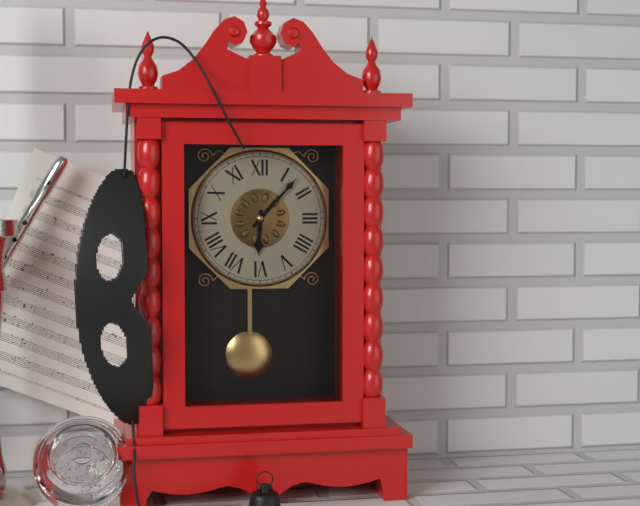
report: 6,07
